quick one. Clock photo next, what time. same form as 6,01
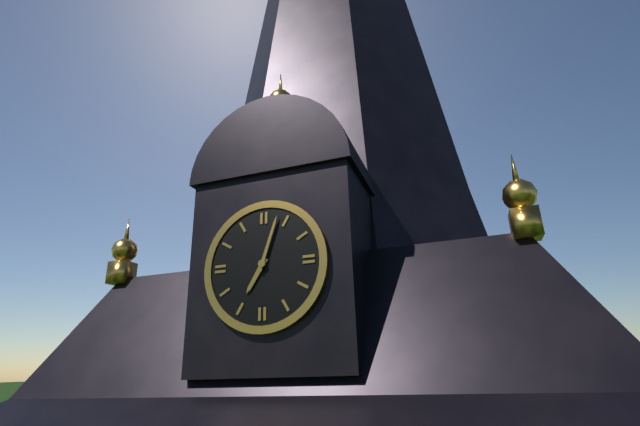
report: 7,03
